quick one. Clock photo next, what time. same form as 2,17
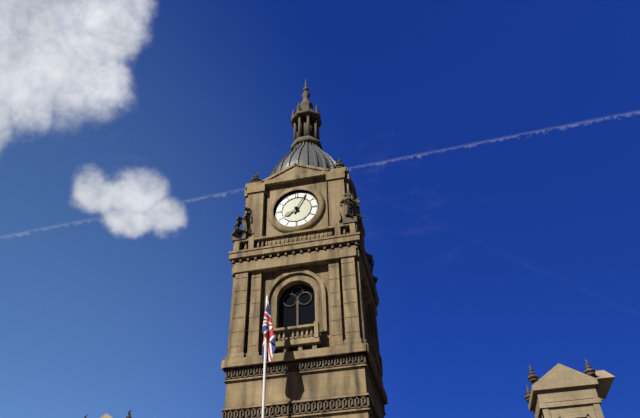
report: 8,05
